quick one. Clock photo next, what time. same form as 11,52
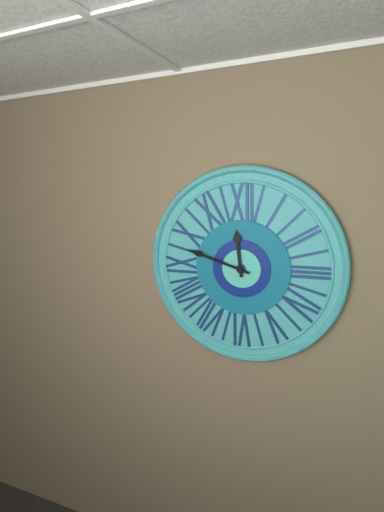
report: 11,48
